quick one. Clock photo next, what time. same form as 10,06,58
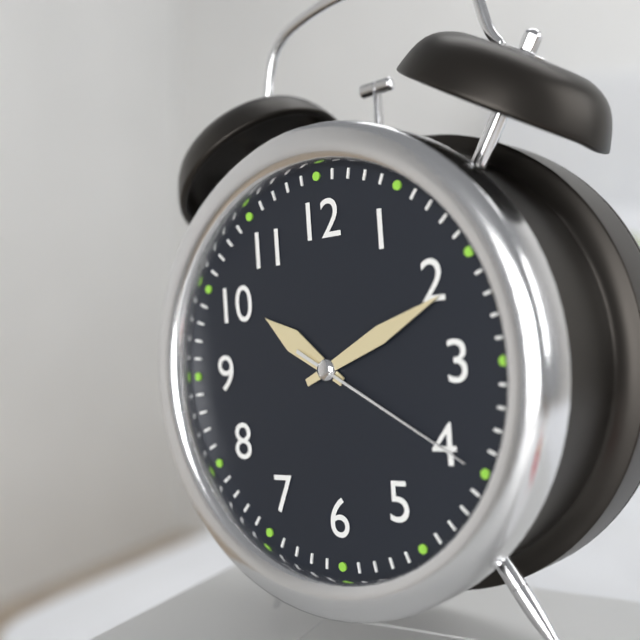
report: 10,11,20
